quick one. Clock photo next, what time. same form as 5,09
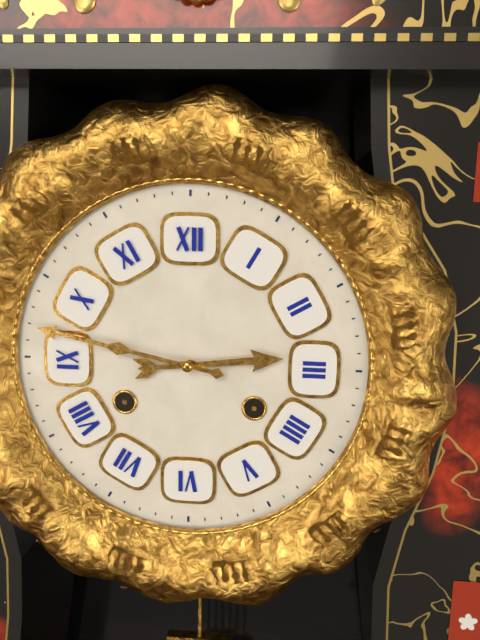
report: 2,47
